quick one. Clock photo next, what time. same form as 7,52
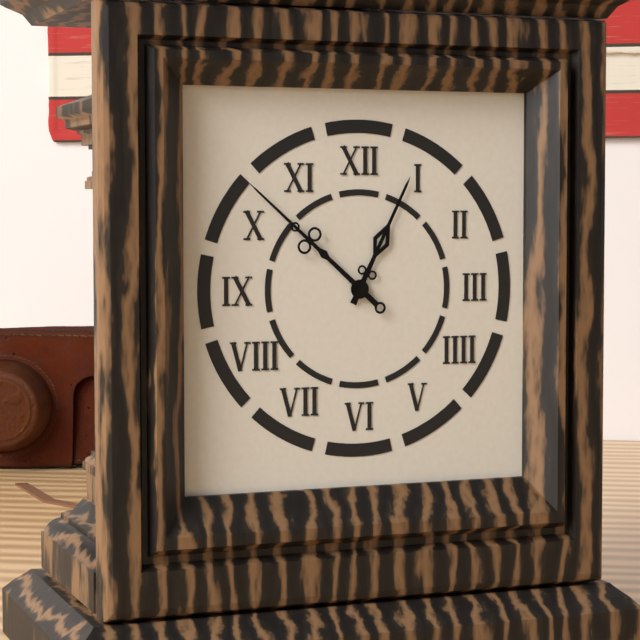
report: 12,52
